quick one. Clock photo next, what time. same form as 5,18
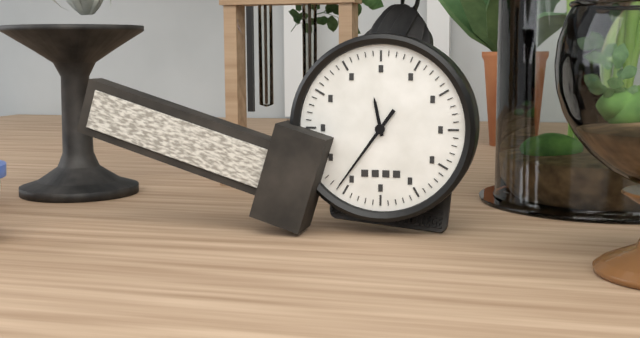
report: 11,36
